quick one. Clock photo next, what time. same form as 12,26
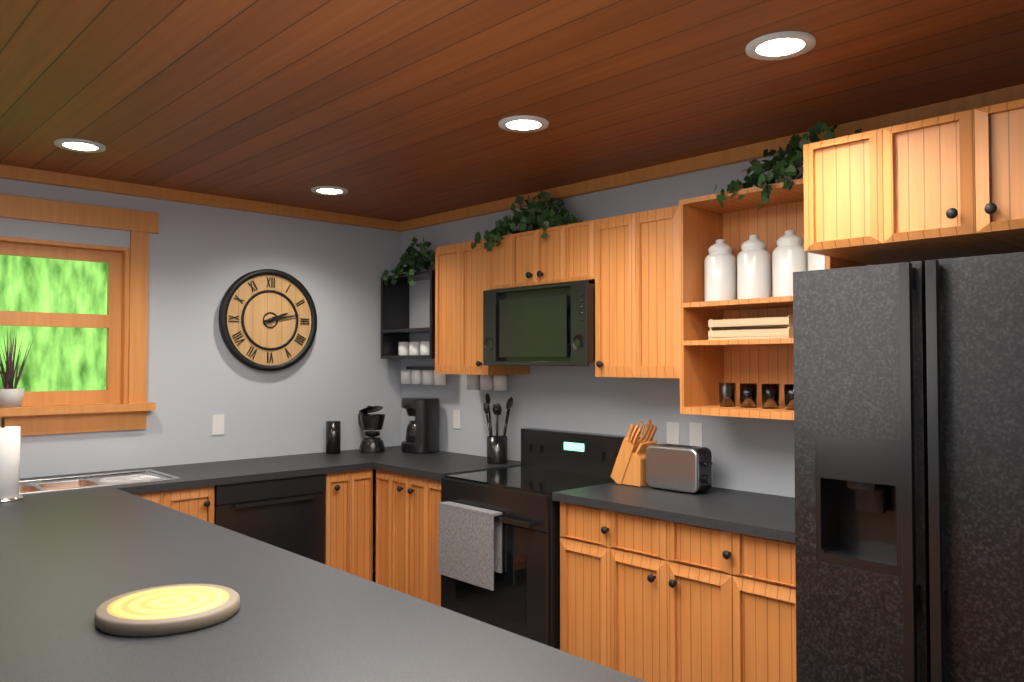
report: 2,13
